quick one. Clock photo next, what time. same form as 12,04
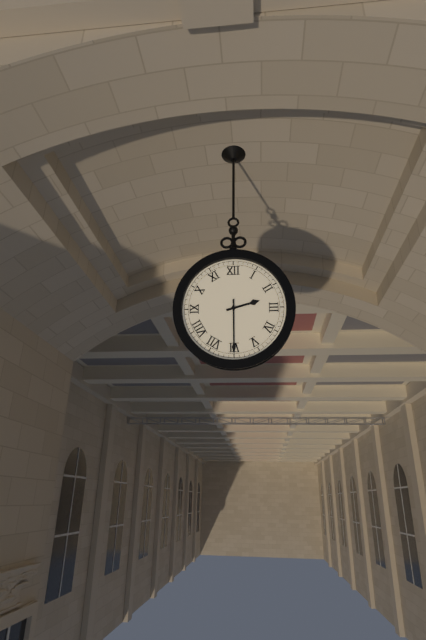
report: 2,30
